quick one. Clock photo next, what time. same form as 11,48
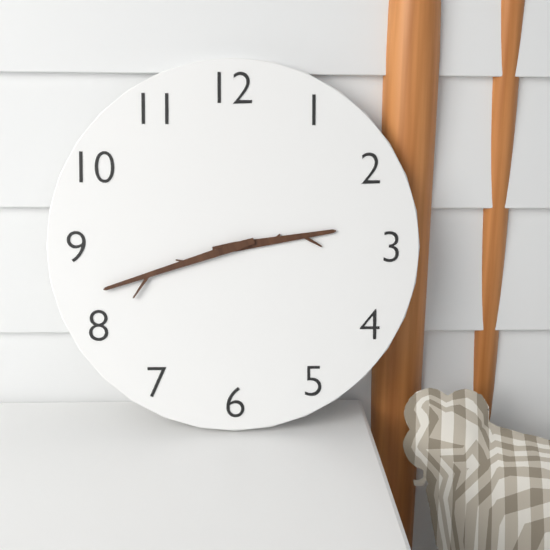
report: 2,42
